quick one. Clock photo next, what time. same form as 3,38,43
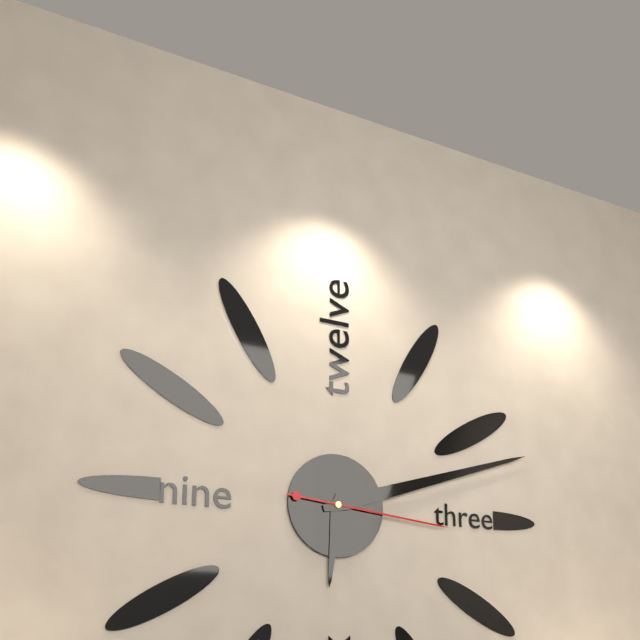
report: 6,12,16
